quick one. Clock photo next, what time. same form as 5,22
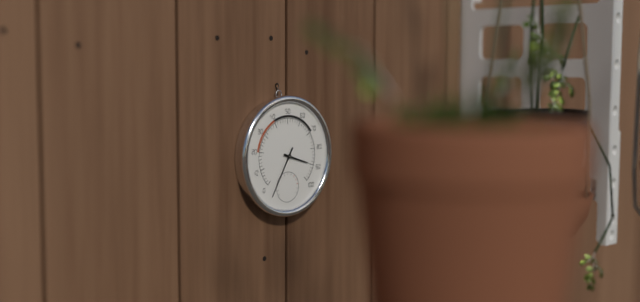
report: 3,35
